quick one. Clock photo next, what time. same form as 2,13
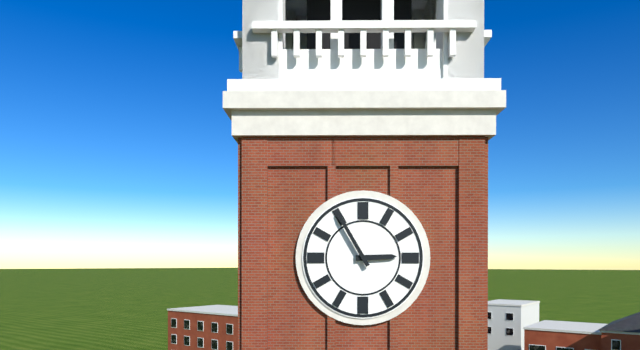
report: 2,55
